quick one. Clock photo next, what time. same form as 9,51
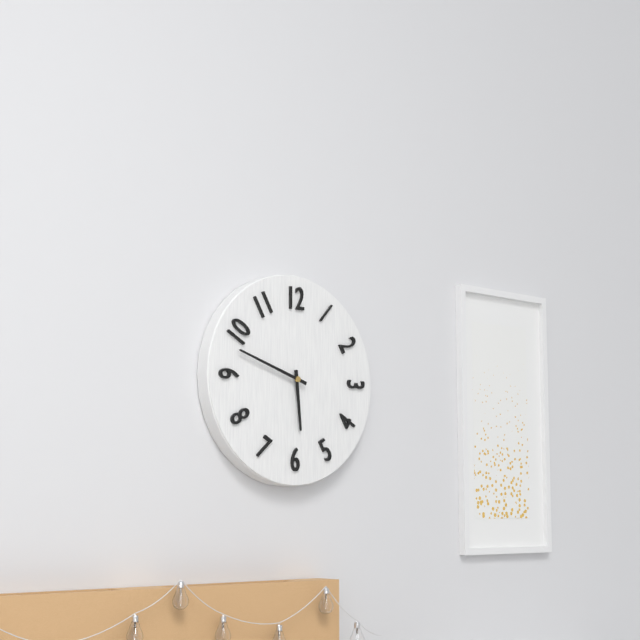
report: 5,48
